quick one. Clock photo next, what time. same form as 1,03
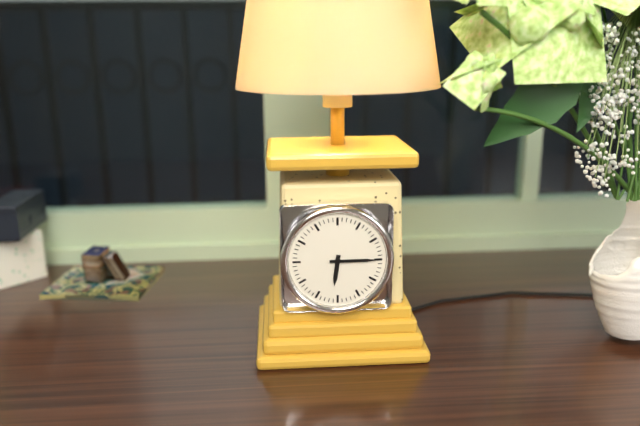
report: 6,15
